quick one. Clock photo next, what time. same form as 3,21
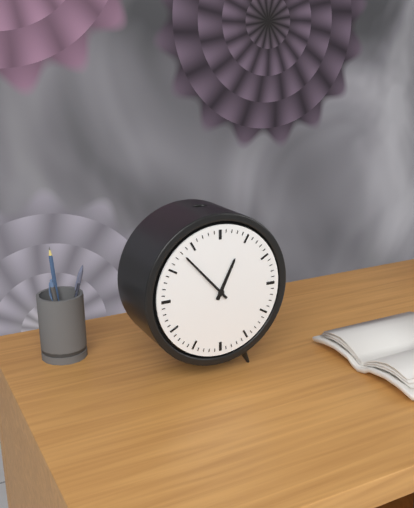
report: 12,53
